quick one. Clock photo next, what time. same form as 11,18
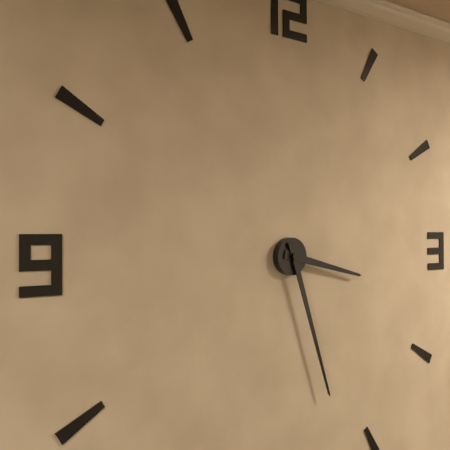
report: 3,27
